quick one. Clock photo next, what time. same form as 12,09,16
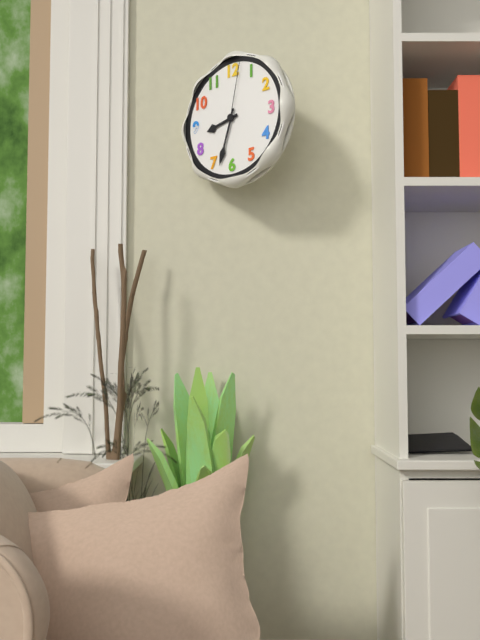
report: 8,33,02
